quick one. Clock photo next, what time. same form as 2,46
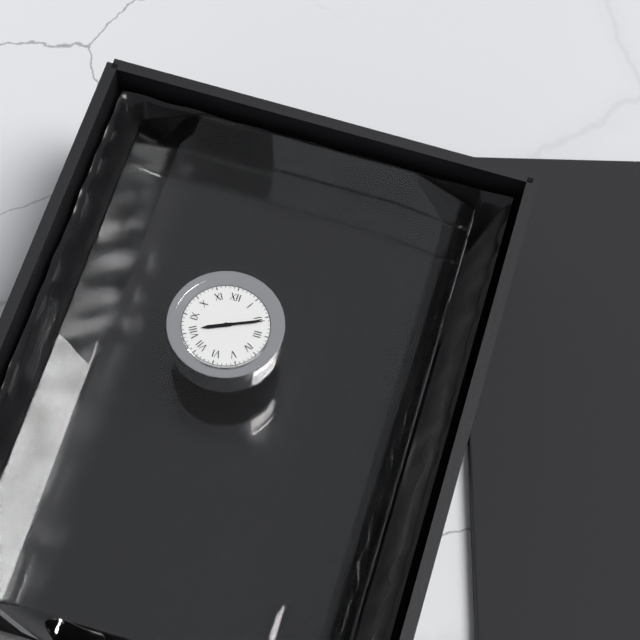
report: 8,11
